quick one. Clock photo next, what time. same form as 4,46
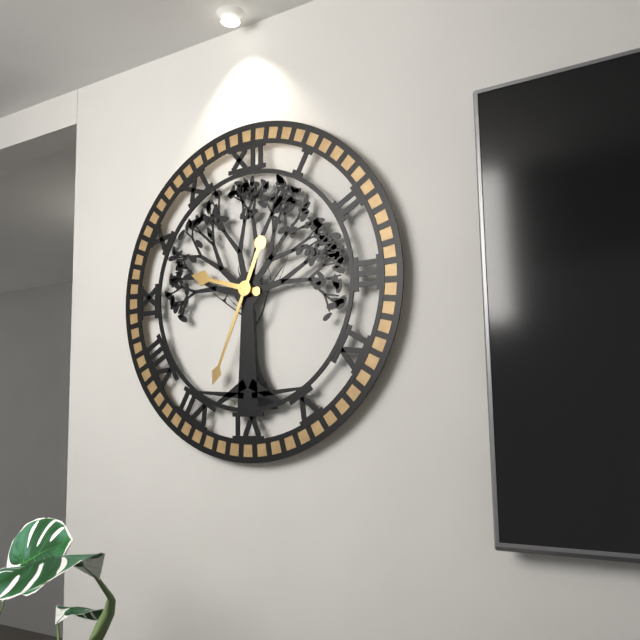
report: 9,34
